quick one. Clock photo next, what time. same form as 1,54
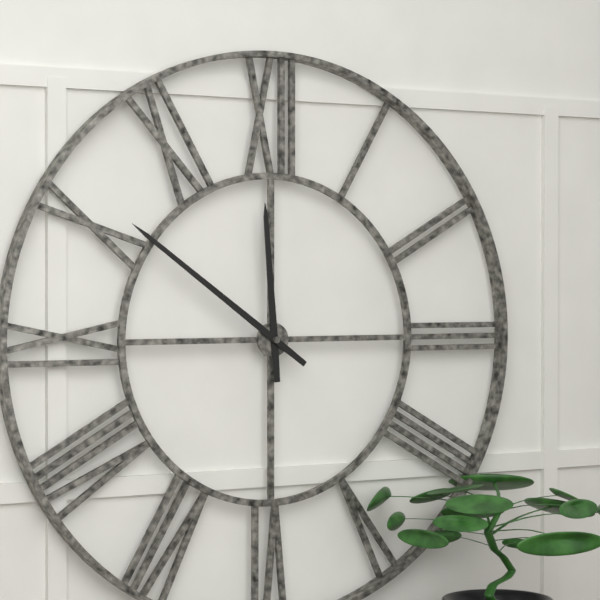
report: 11,51
